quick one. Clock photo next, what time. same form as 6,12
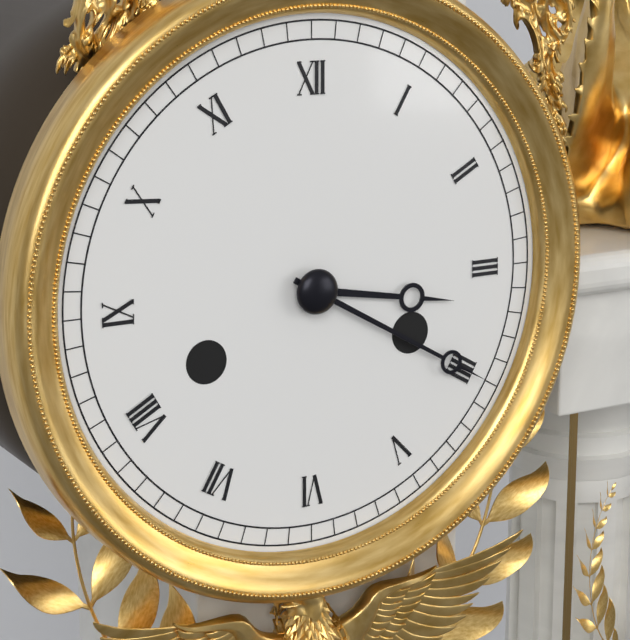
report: 3,20
